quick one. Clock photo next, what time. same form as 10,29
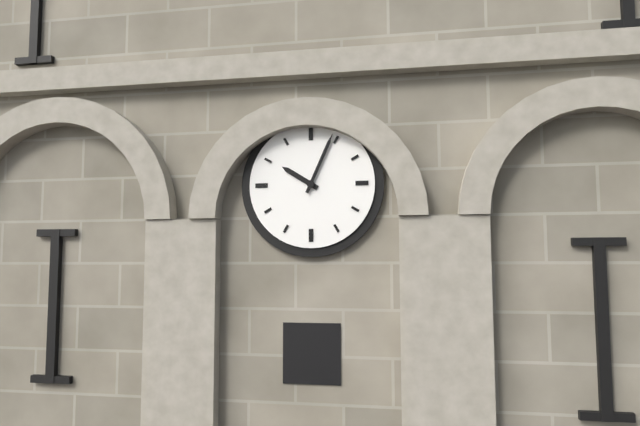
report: 10,04
